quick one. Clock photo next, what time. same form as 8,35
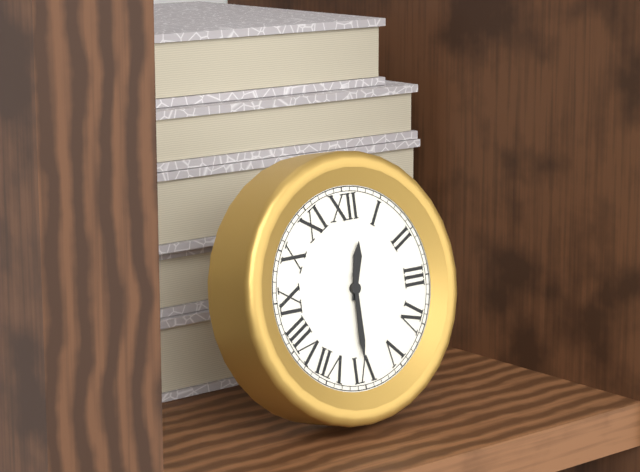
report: 12,30
